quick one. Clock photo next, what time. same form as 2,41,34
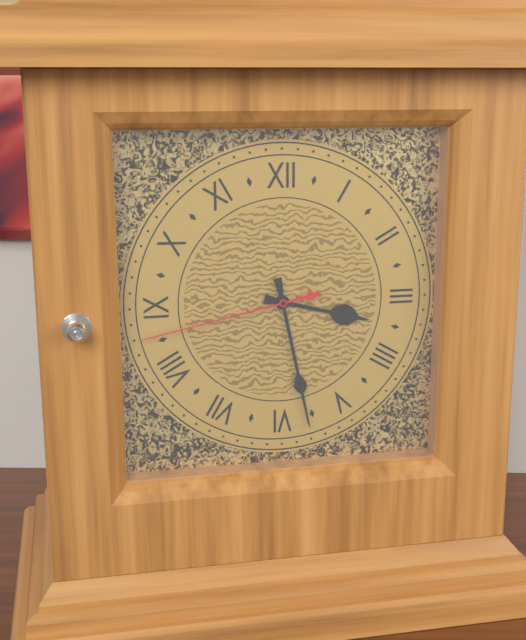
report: 3,28,43
